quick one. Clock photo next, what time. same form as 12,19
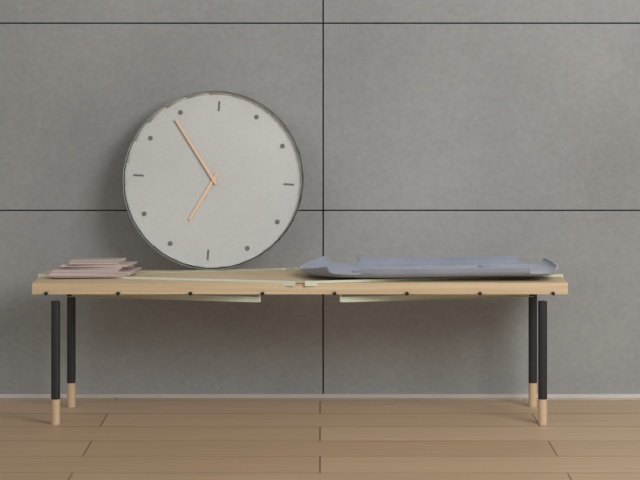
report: 6,54
